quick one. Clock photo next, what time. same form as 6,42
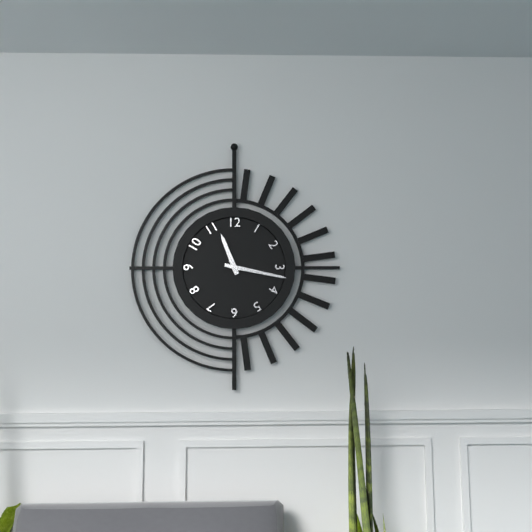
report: 11,17
